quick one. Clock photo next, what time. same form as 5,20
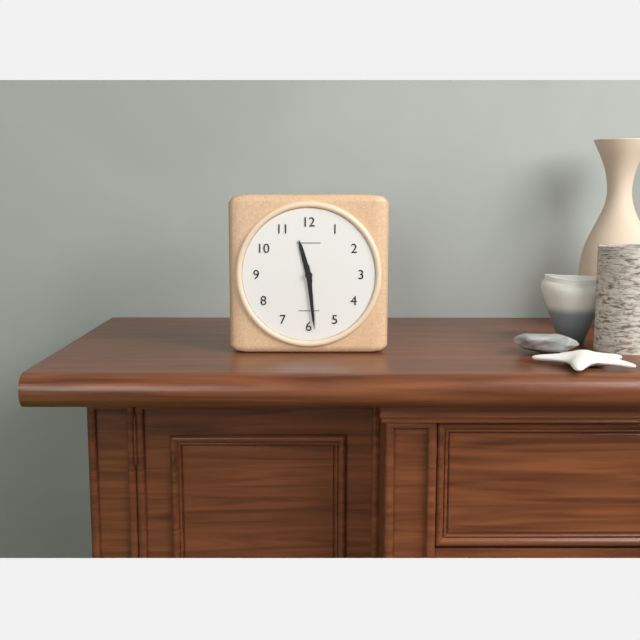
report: 11,29
